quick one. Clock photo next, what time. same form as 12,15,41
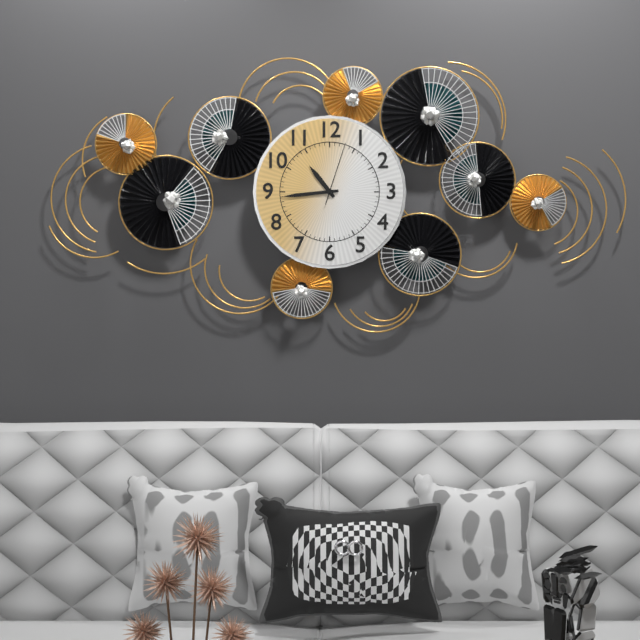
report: 10,44,03
